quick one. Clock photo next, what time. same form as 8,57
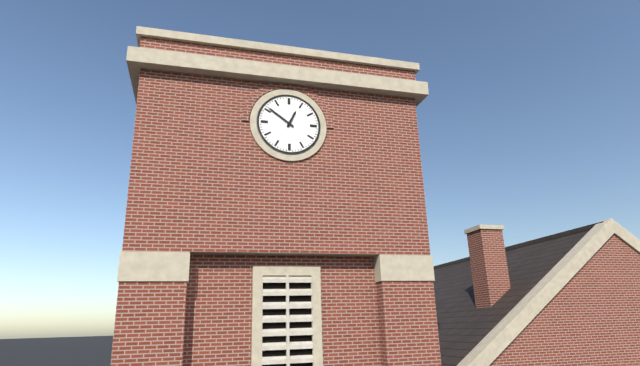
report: 12,51
